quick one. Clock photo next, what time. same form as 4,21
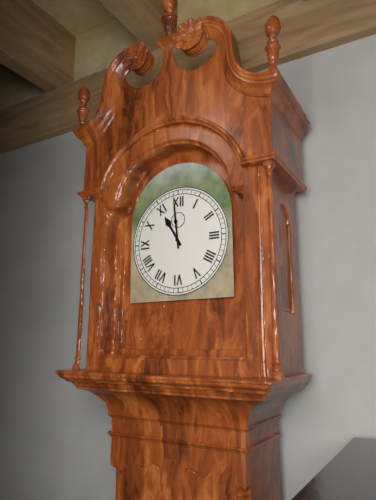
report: 10,59
